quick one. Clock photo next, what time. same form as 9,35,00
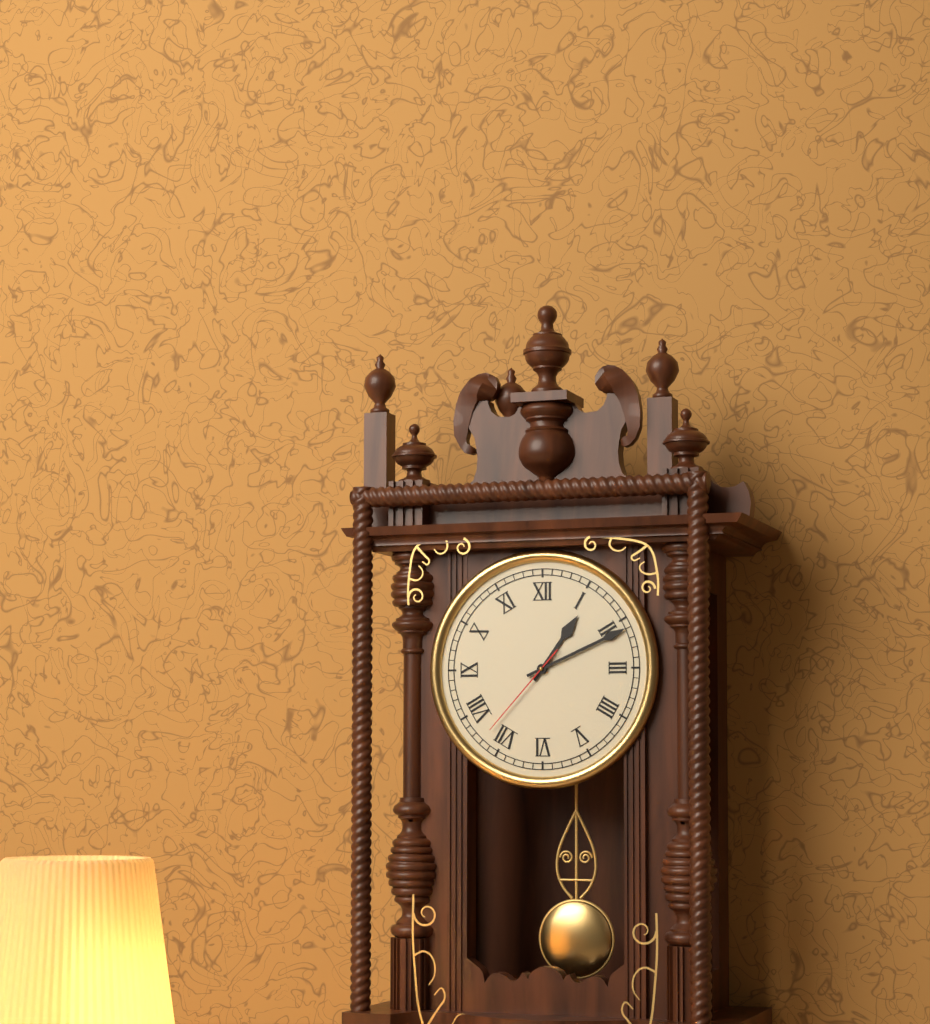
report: 1,11,37
